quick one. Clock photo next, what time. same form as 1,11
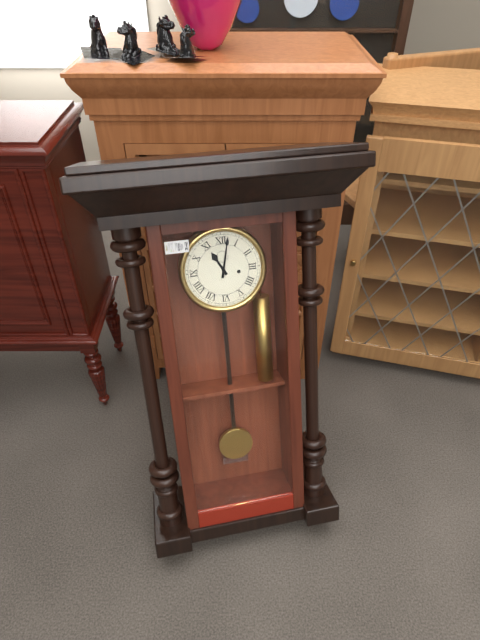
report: 11,02
